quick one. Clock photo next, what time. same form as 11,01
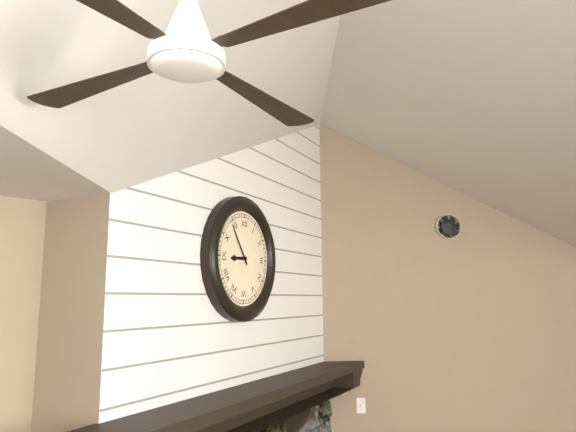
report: 8,54
